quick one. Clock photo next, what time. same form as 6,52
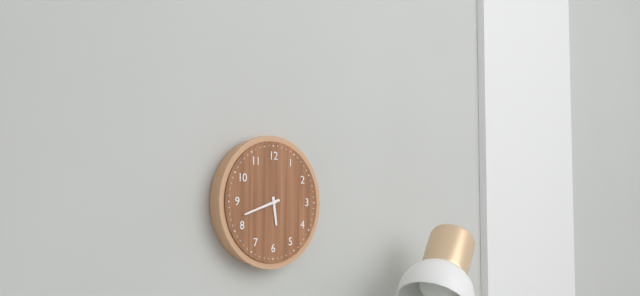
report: 5,42
